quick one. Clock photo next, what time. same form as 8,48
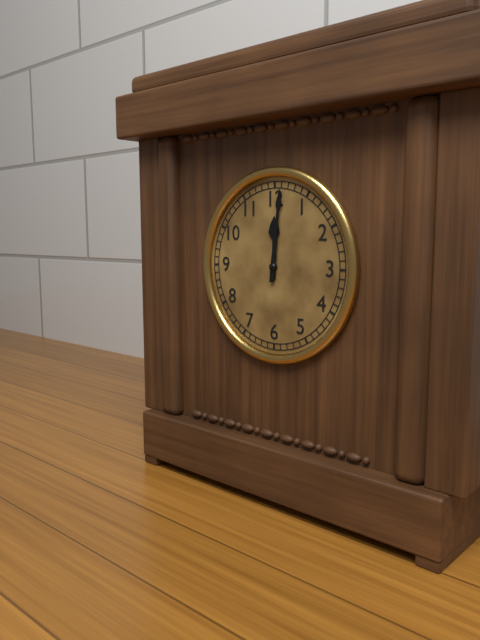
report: 12,01
